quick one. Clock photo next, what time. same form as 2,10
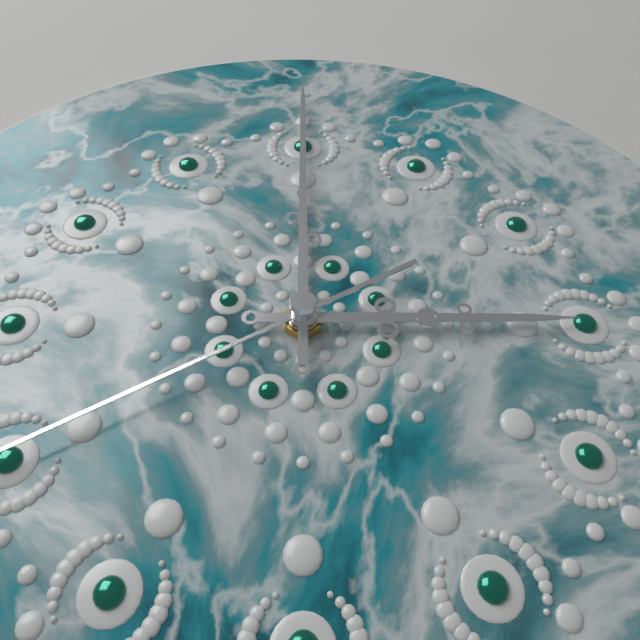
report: 3,00
